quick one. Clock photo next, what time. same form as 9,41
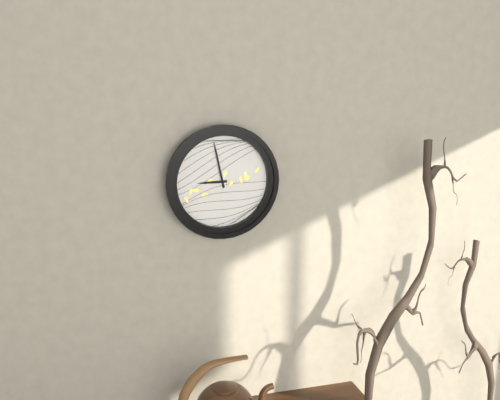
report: 8,58
